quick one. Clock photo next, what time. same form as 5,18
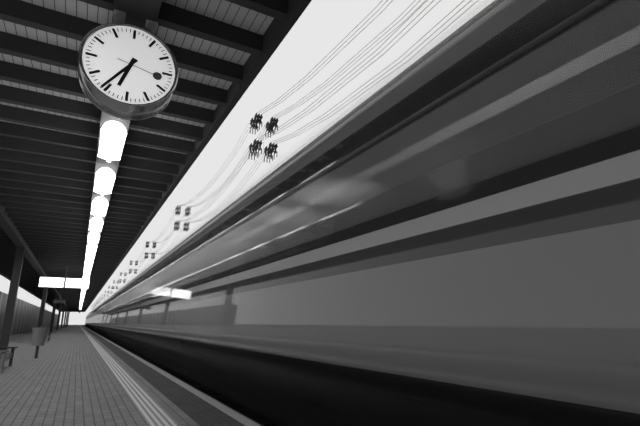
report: 6,36
